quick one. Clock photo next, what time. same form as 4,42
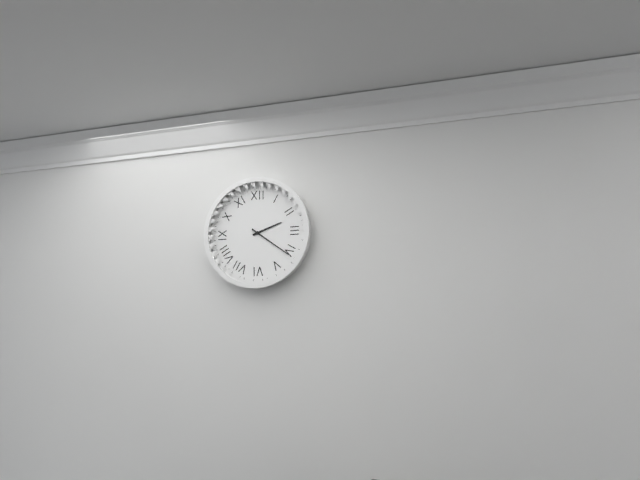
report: 2,21
